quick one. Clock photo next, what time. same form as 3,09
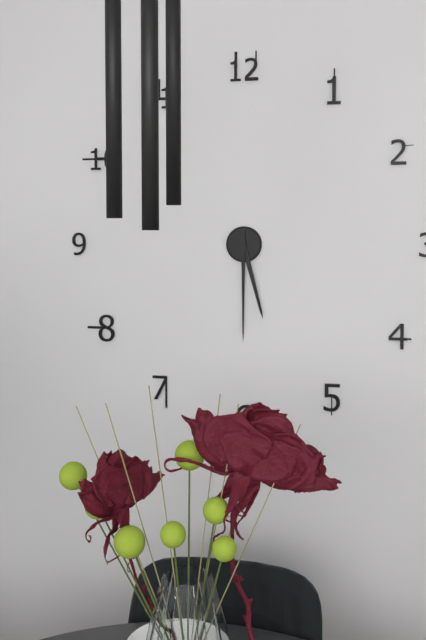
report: 5,30
